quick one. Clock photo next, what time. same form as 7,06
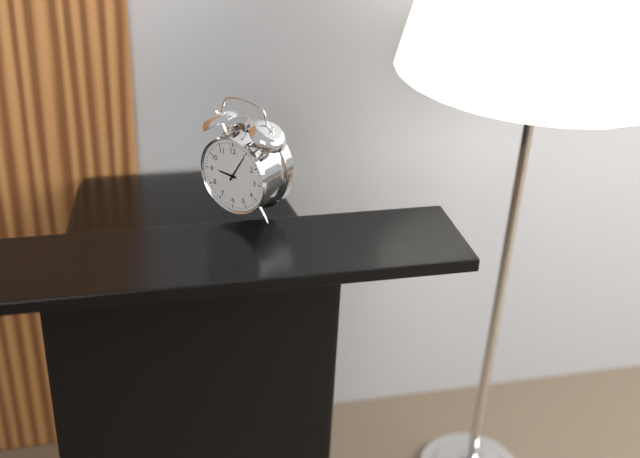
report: 9,05
